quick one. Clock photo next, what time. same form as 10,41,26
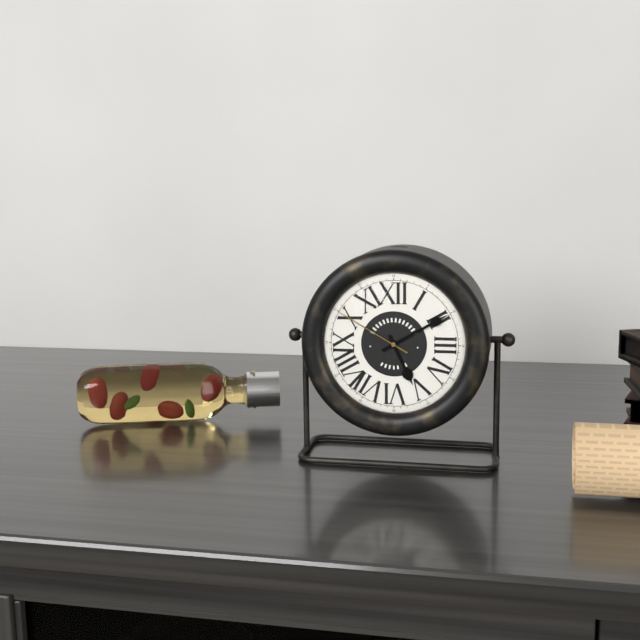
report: 5,10,50
